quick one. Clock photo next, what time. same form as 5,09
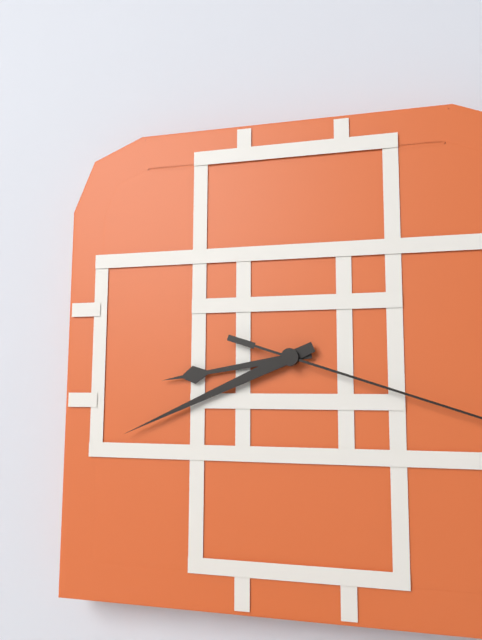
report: 8,41
